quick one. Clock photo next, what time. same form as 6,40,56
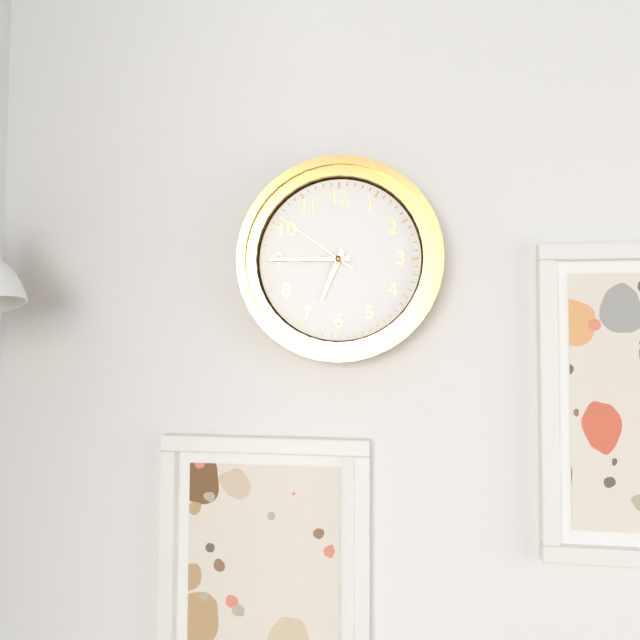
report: 6,45,51
